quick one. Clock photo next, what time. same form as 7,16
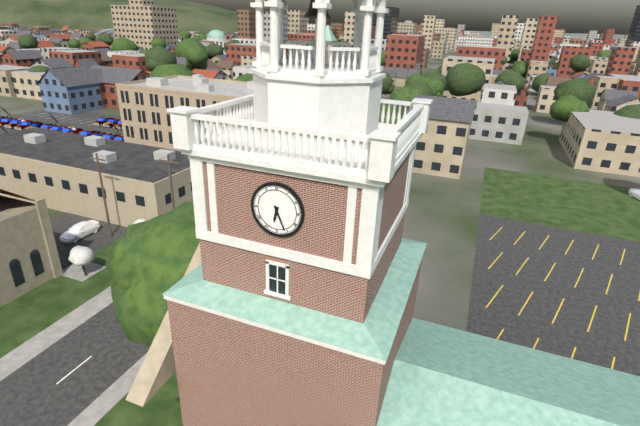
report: 6,26
